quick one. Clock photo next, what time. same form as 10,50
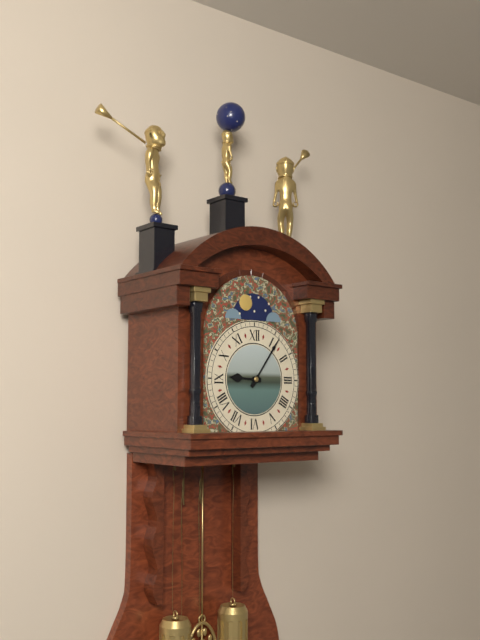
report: 9,06
